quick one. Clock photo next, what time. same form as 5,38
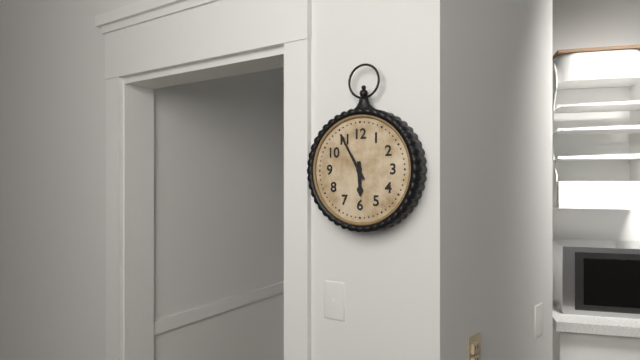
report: 5,55
